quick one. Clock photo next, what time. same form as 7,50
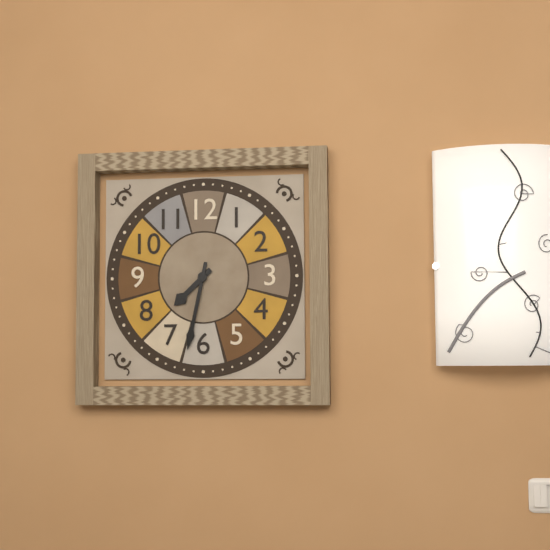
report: 7,32
